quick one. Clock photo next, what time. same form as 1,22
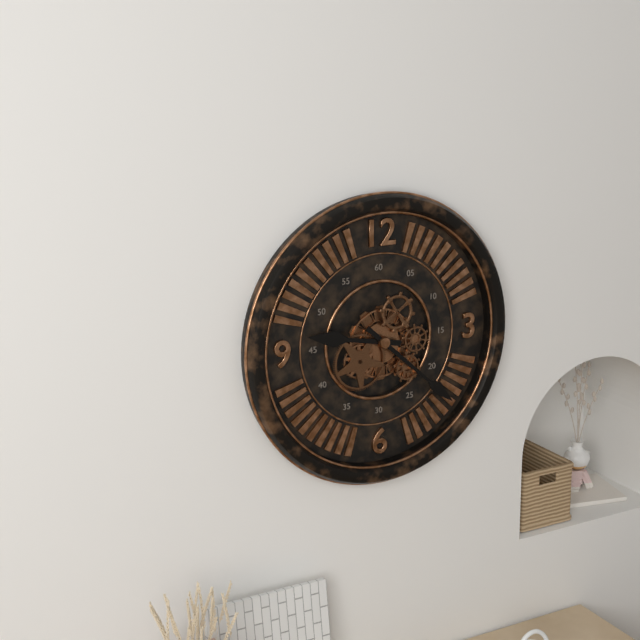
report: 9,22
